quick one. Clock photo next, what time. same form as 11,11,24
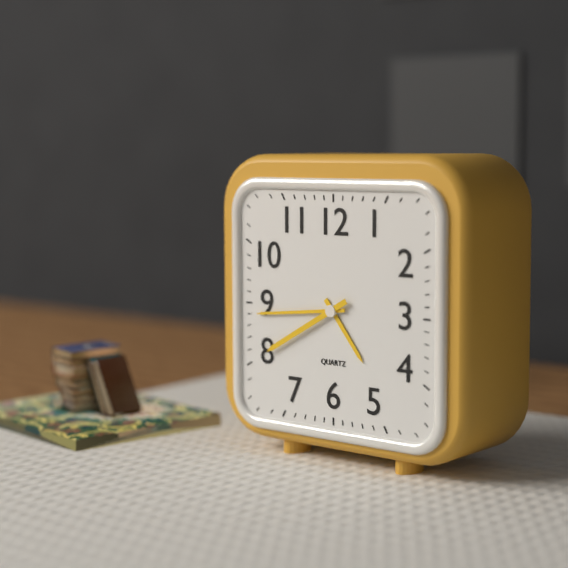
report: 4,44,40
